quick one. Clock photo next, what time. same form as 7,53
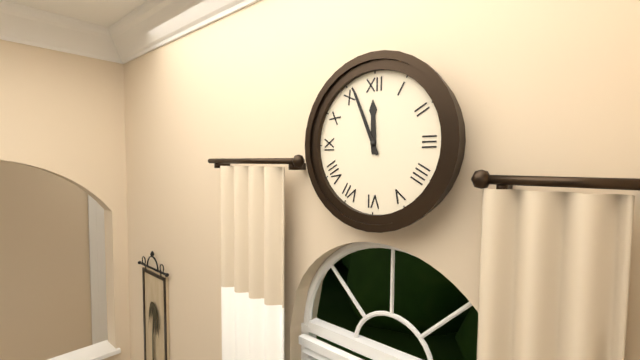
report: 11,56
